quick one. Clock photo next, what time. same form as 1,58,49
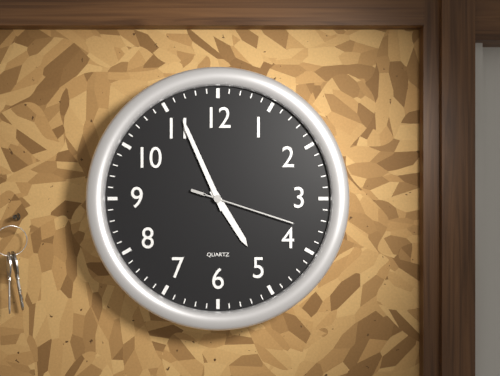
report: 4,56,18
